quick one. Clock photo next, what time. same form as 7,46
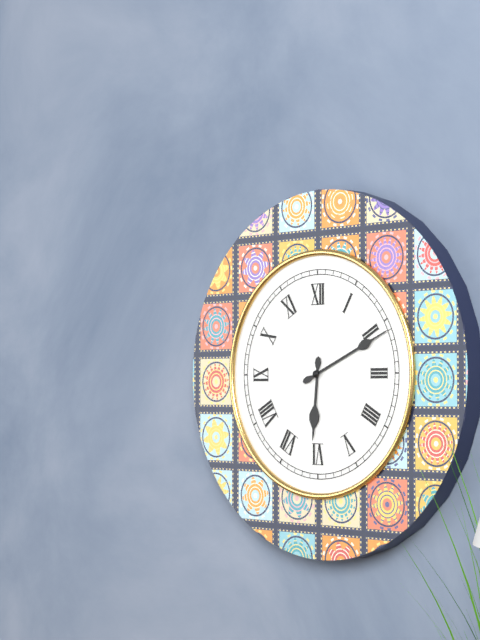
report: 6,11
